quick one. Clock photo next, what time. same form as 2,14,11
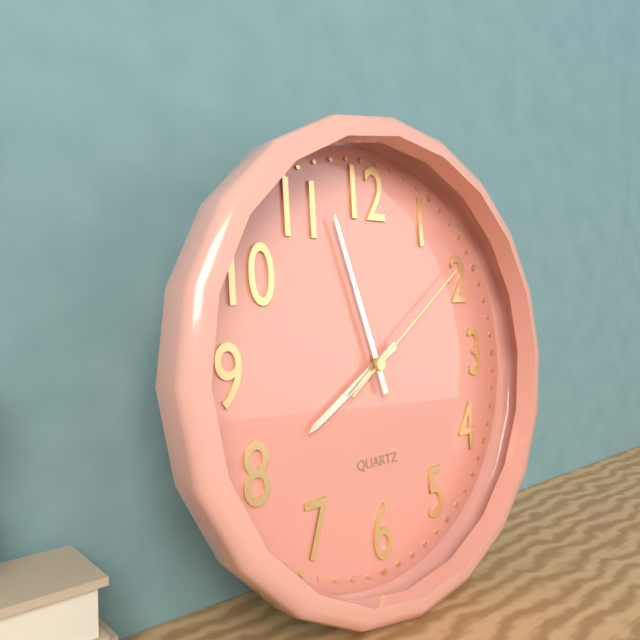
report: 7,57,09
